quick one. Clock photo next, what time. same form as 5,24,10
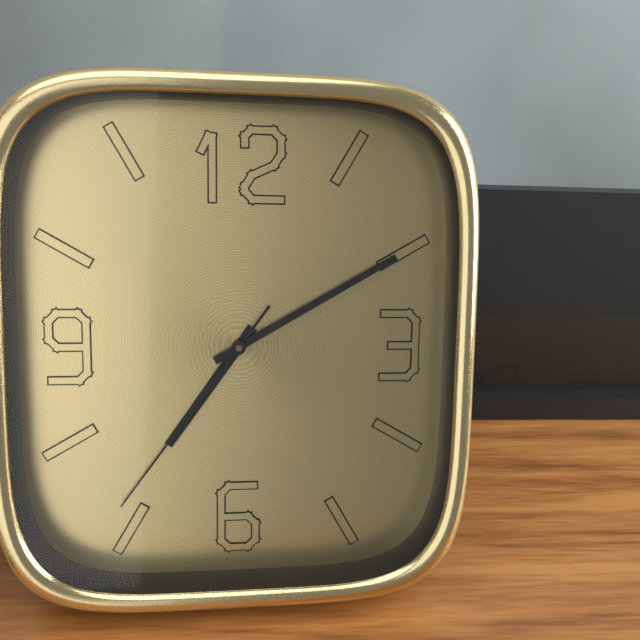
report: 7,10,36
